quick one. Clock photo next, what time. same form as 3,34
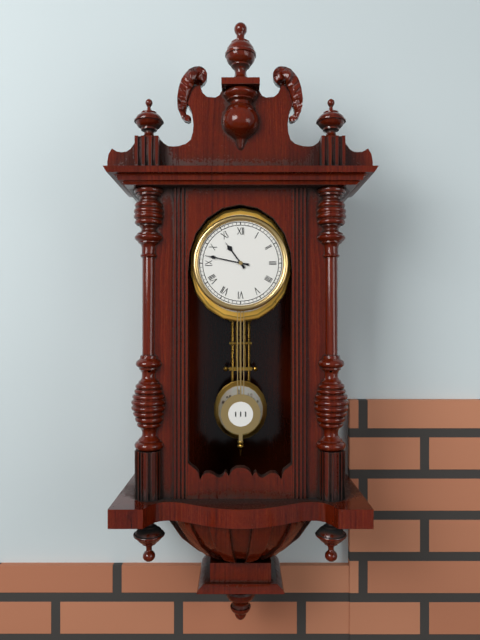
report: 10,47
